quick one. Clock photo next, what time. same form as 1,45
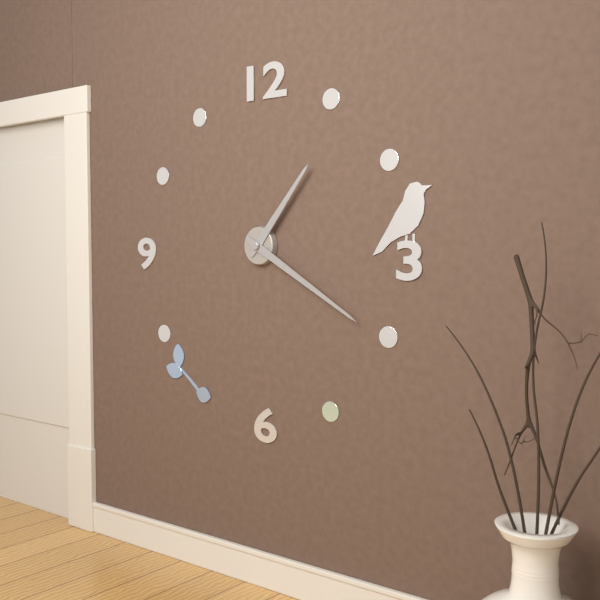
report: 1,20
